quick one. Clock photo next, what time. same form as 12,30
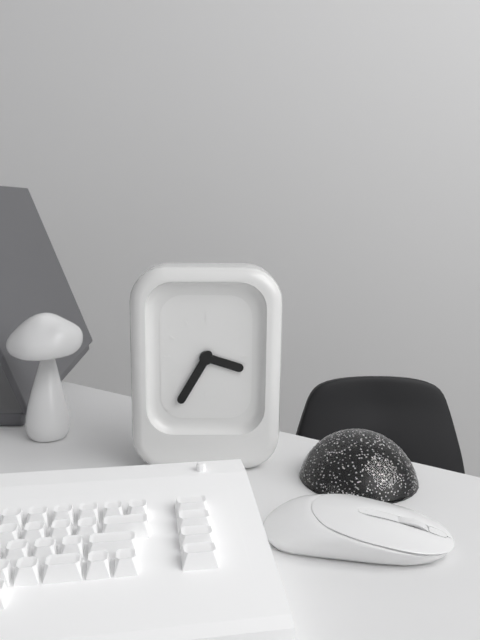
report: 3,35
